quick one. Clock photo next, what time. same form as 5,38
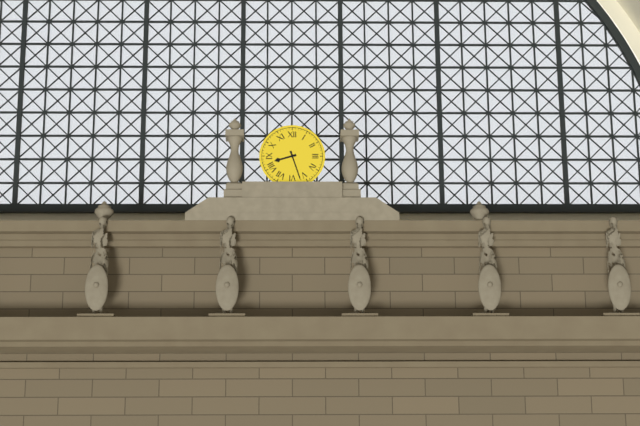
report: 8,27
